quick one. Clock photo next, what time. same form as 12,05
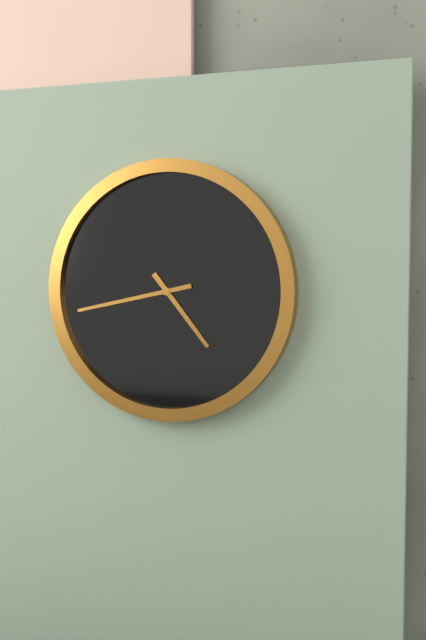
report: 4,43
